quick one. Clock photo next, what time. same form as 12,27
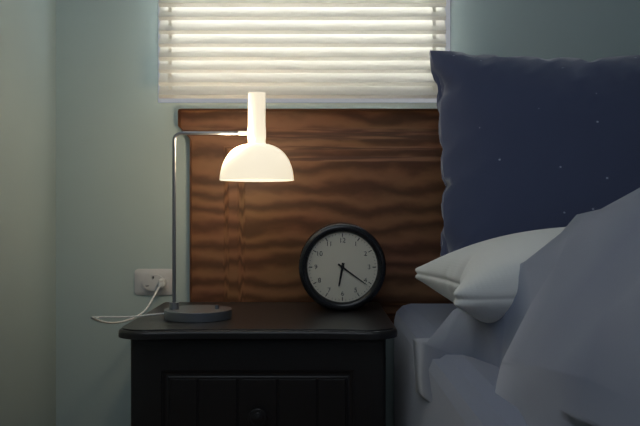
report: 6,21
